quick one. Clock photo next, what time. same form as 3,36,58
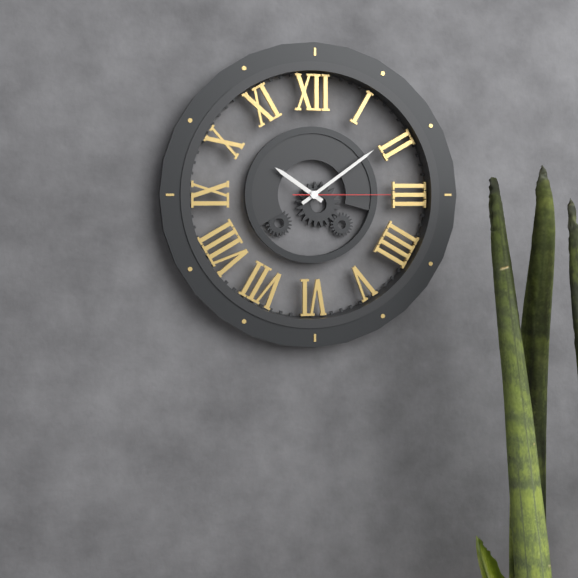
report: 10,09,15
